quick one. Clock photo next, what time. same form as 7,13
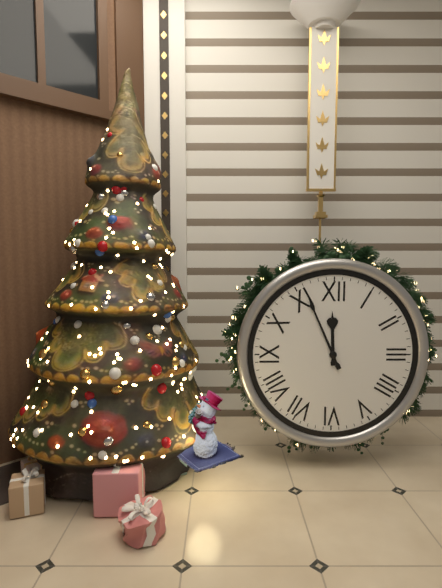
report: 11,56
